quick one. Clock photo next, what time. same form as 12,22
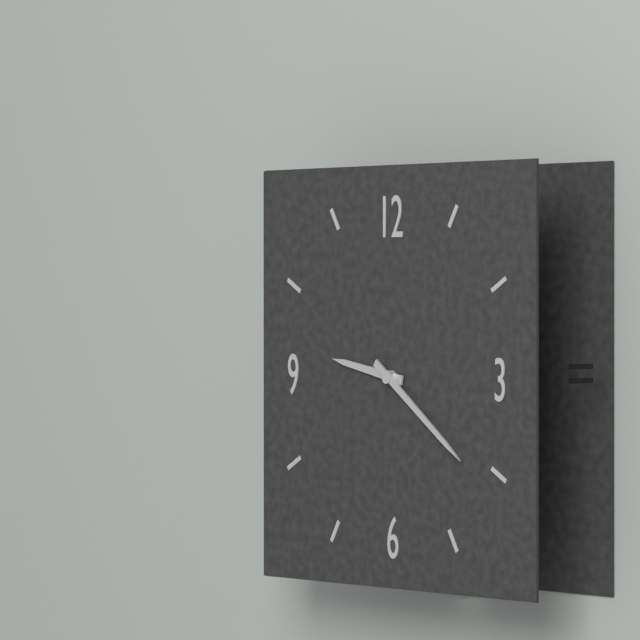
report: 9,21
